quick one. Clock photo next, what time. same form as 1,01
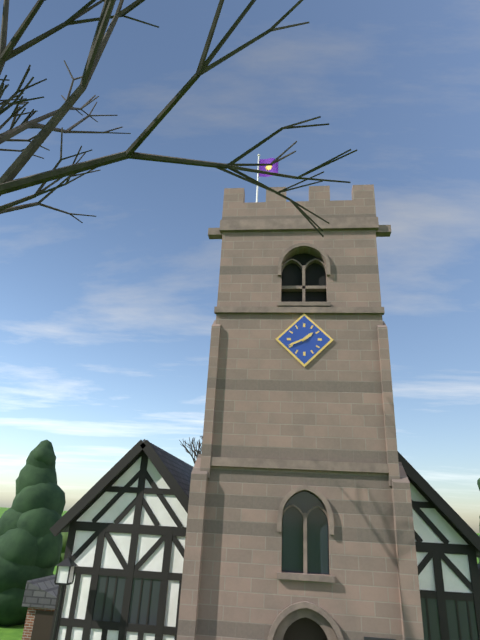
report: 1,41
